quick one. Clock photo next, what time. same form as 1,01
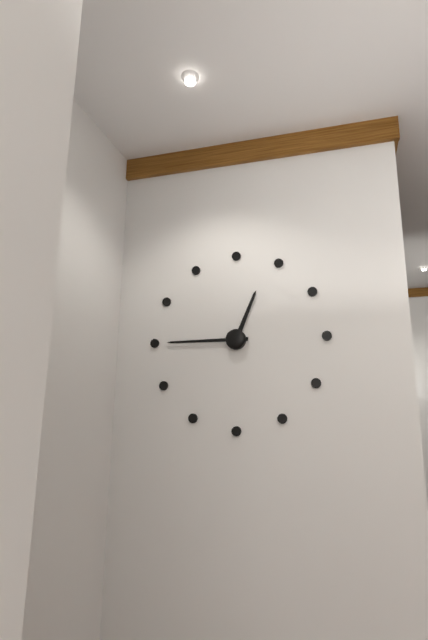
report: 12,45
